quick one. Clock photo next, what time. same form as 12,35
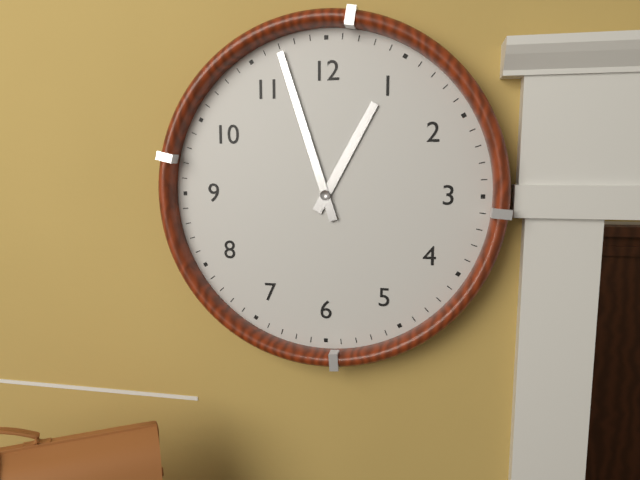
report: 12,57
